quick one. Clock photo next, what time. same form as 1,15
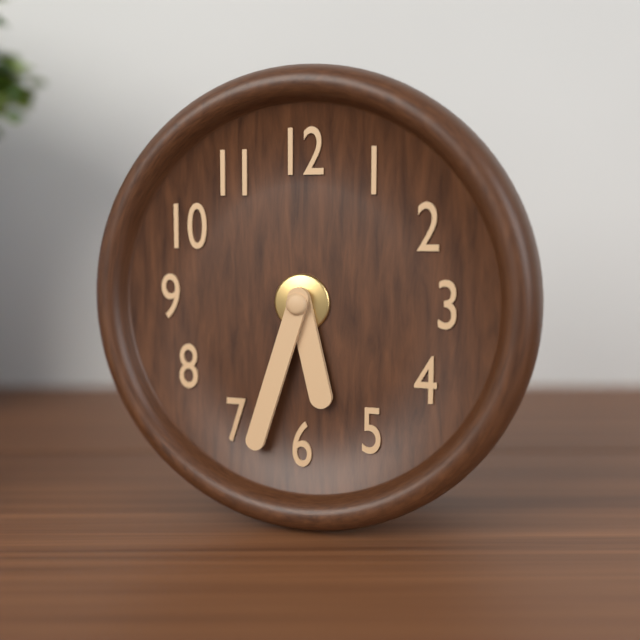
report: 5,33
